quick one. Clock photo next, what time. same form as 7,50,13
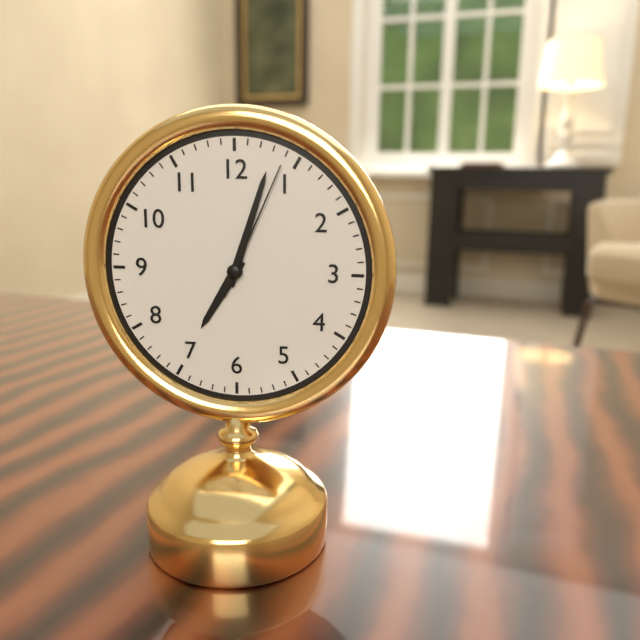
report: 7,03,04
